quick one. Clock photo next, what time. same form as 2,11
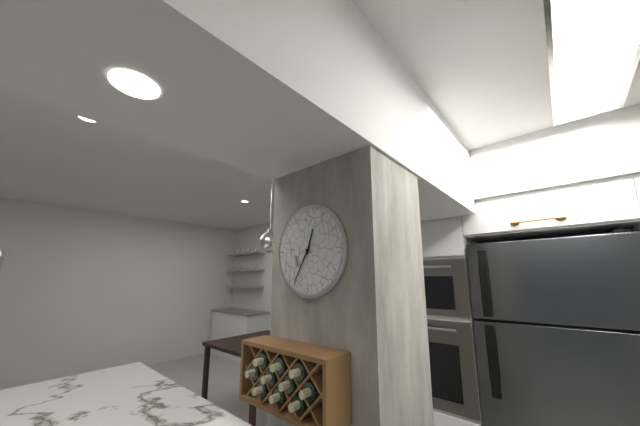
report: 12,35
